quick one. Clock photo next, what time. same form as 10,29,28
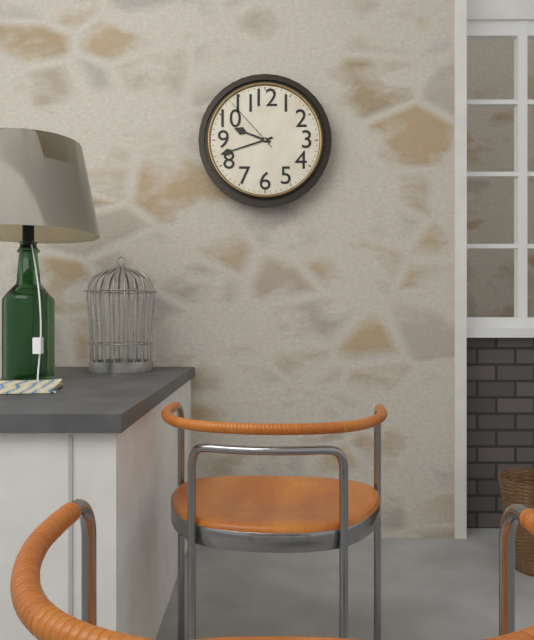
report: 9,42,53
